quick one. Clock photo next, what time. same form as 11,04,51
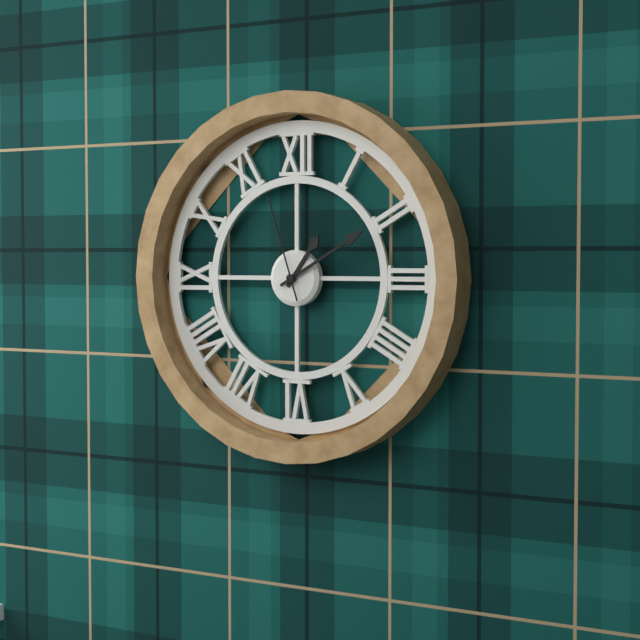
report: 1,10,57
